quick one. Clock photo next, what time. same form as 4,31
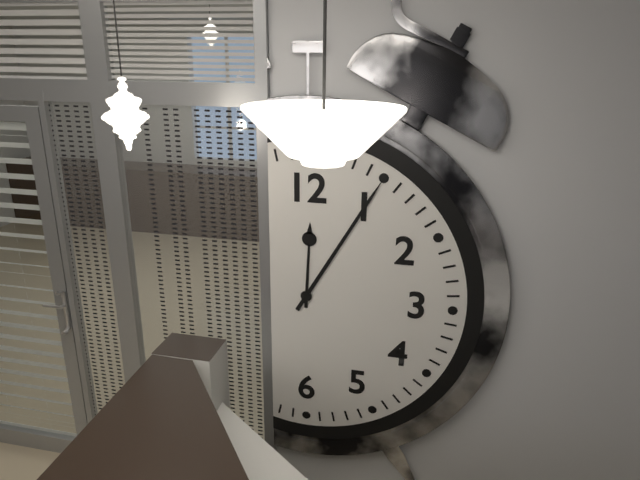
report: 12,05
